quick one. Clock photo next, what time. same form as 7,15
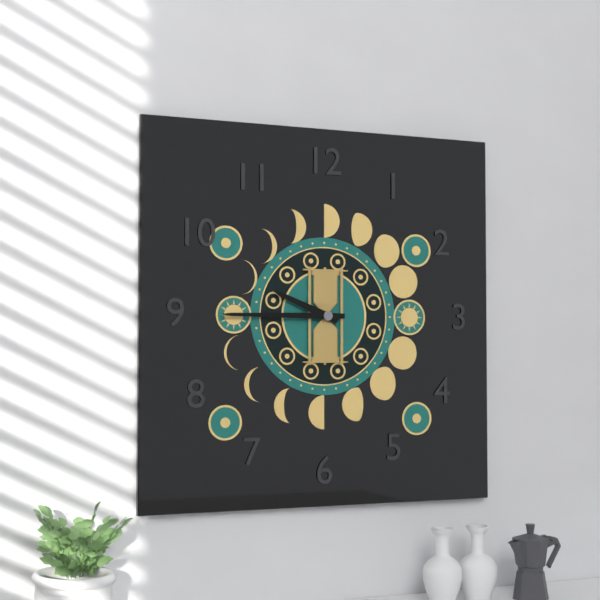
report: 9,45
